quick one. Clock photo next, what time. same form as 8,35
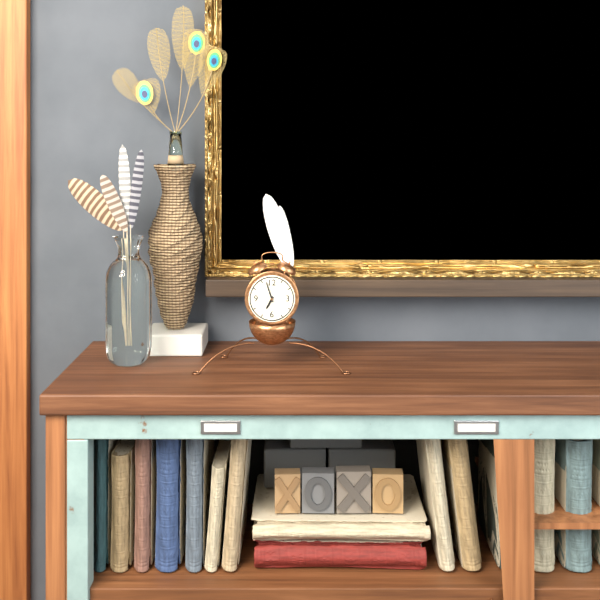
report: 6,57
